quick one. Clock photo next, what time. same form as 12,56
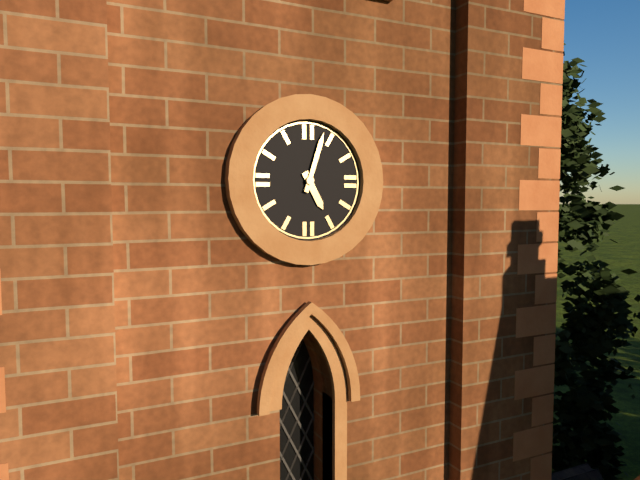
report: 5,03
